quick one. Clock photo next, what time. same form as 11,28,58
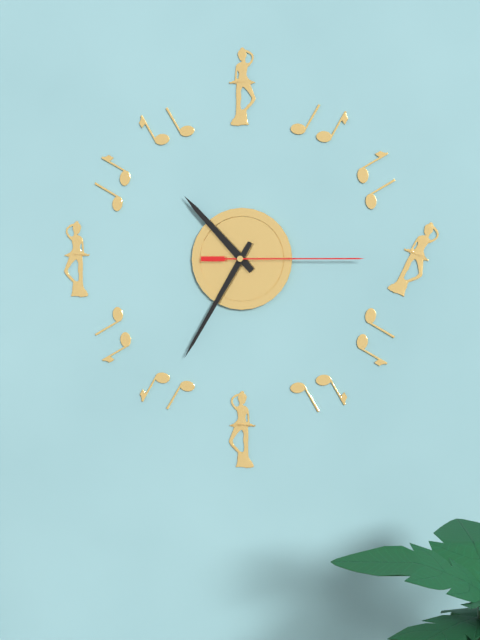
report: 10,35,15
